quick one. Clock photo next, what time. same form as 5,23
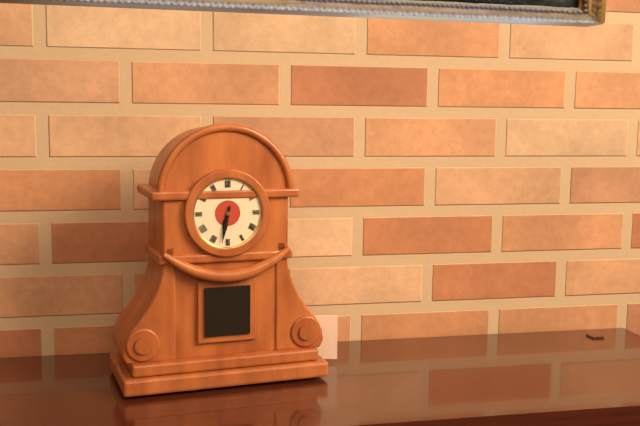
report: 6,32
